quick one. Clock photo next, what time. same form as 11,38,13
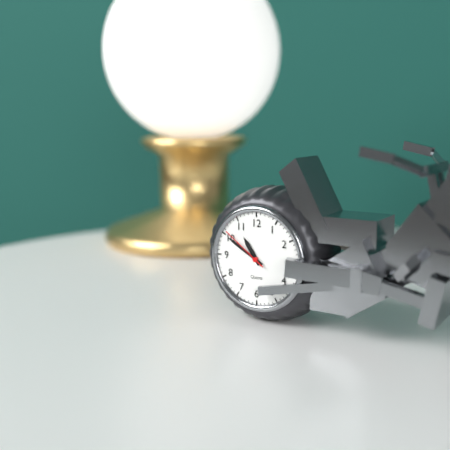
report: 10,50,51
